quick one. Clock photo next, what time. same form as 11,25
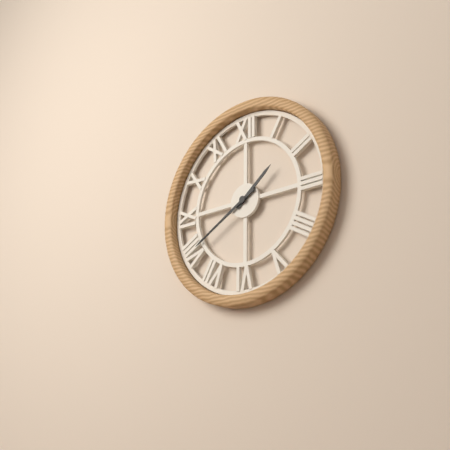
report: 1,40
